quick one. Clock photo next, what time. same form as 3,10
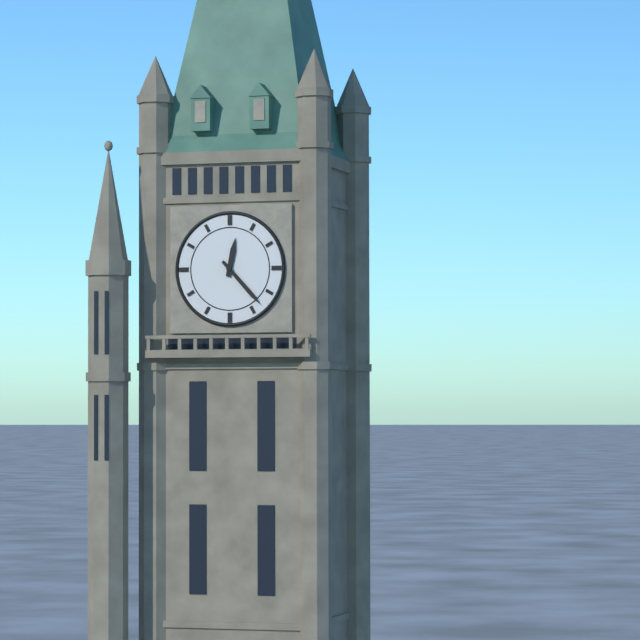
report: 12,23
